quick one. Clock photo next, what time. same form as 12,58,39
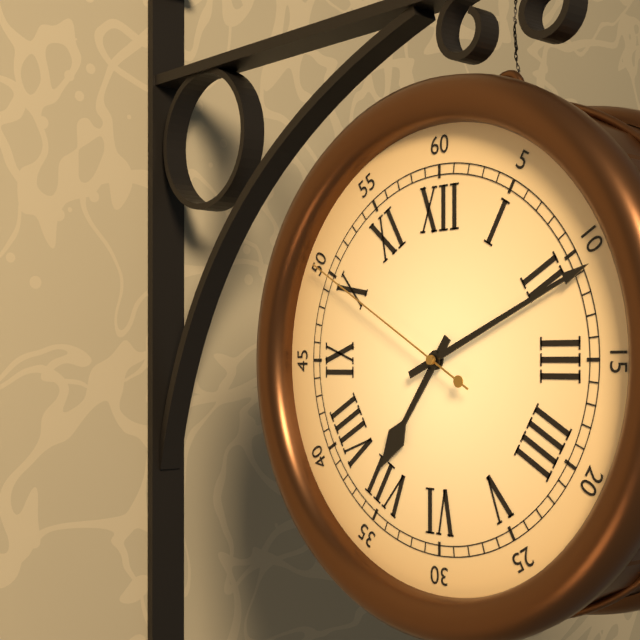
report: 7,11,50
